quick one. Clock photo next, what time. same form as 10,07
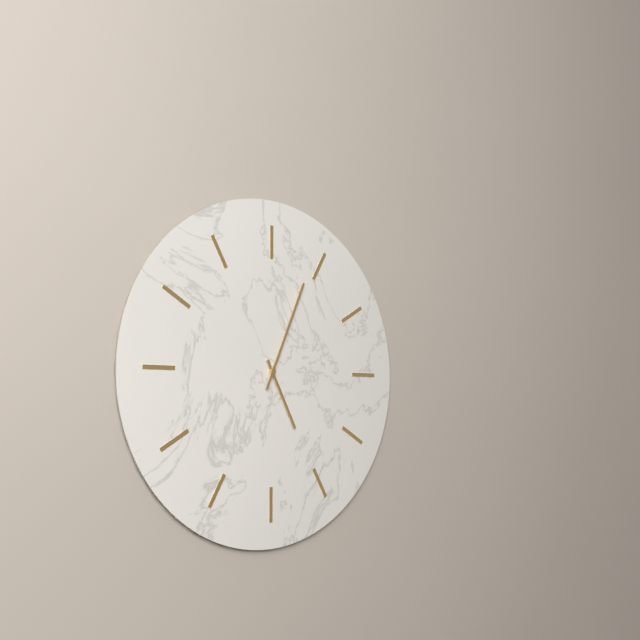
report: 5,04
